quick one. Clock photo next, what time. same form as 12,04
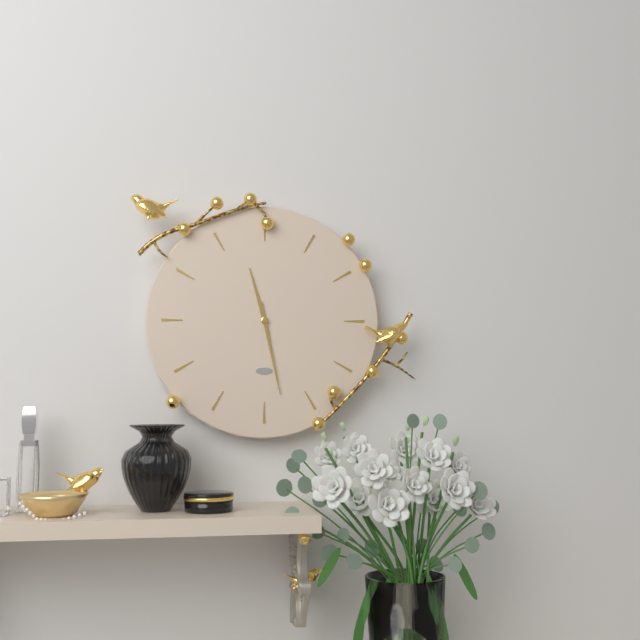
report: 11,28
